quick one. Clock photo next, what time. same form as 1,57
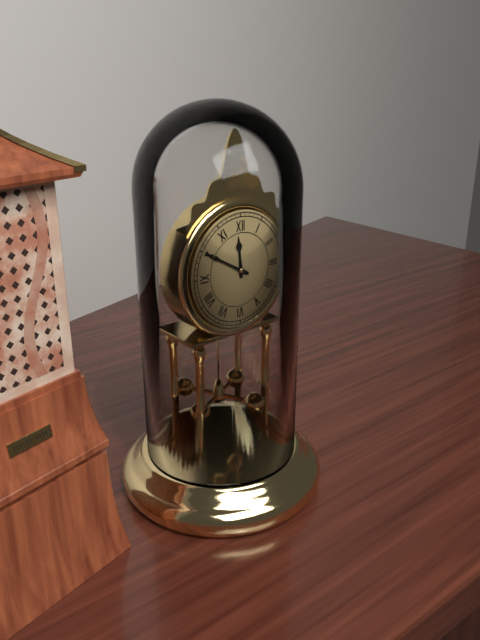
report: 11,50
